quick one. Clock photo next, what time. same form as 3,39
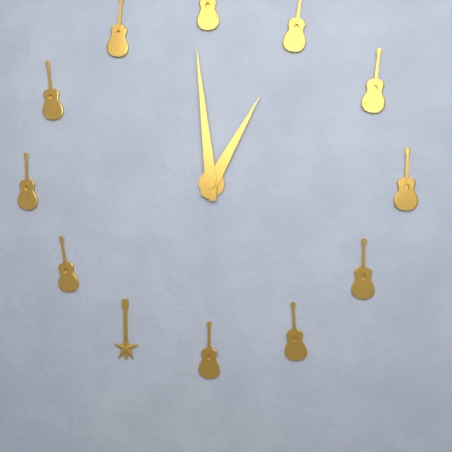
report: 12,59
